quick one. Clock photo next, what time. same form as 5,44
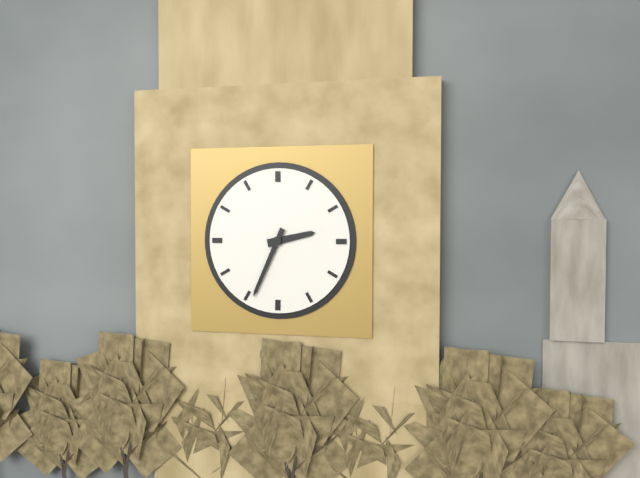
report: 2,34
